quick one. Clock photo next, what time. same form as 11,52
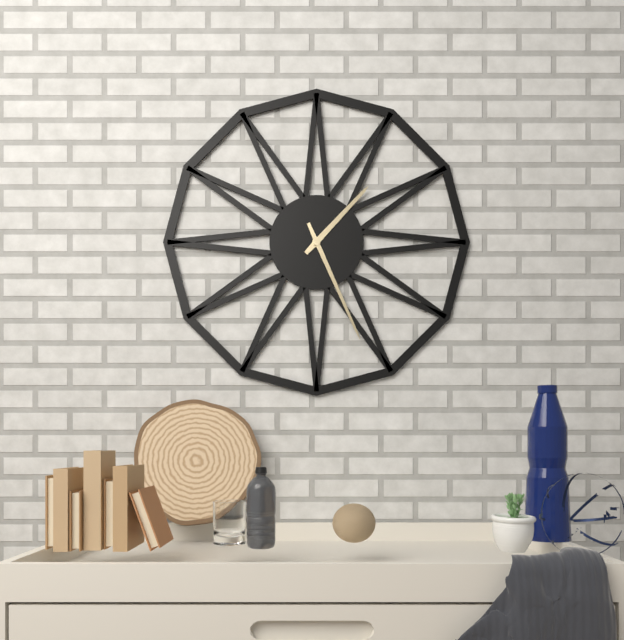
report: 1,26
